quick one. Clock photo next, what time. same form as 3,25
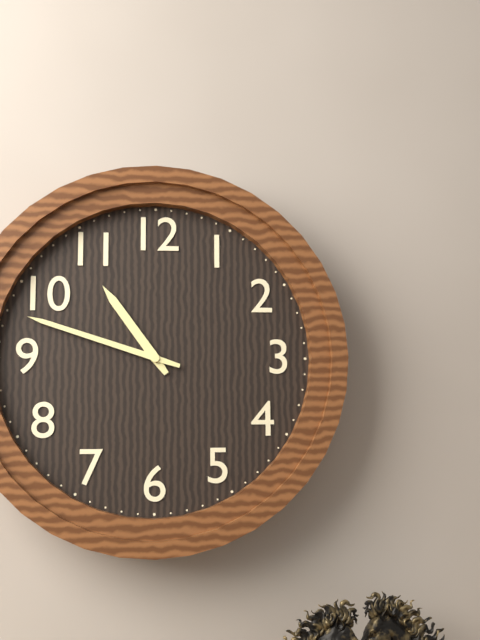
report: 10,48
